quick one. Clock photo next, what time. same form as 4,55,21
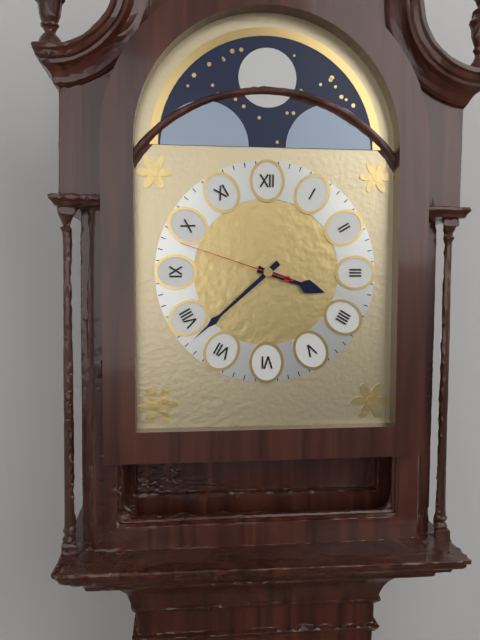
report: 3,38,48
